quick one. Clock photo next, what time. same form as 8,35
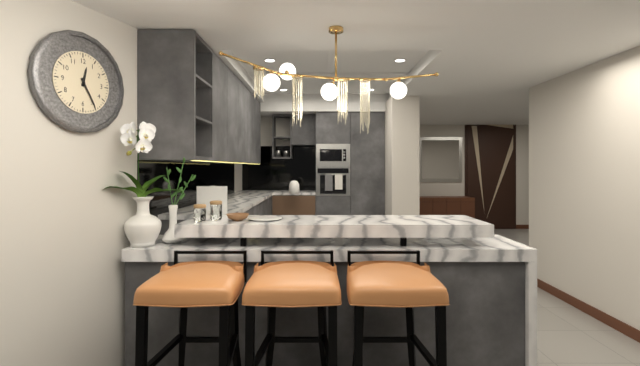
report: 12,25
